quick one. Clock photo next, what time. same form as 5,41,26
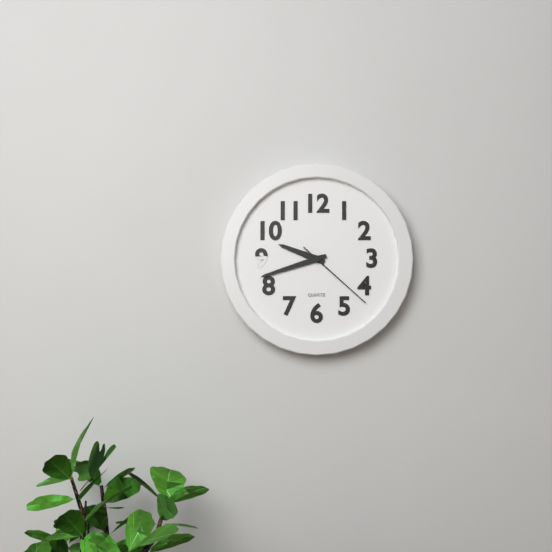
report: 9,42,22
